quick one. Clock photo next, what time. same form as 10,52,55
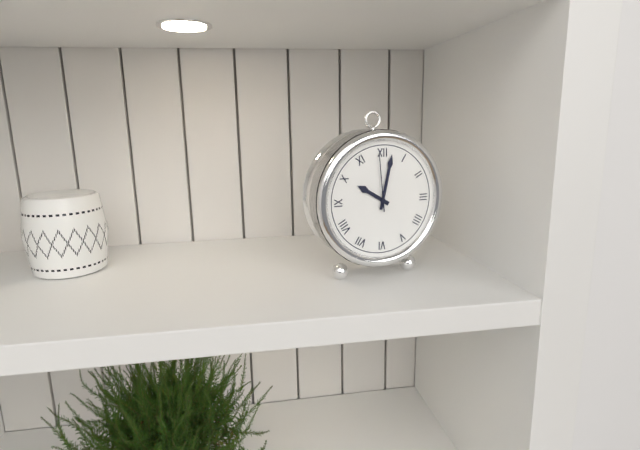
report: 10,02,59
